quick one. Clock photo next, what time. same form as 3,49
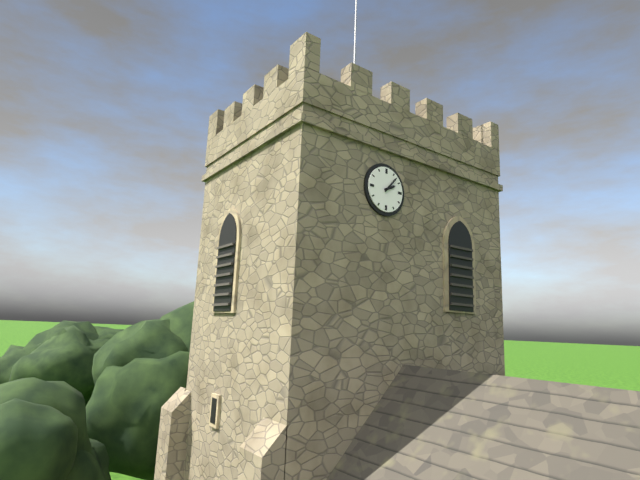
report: 2,07
